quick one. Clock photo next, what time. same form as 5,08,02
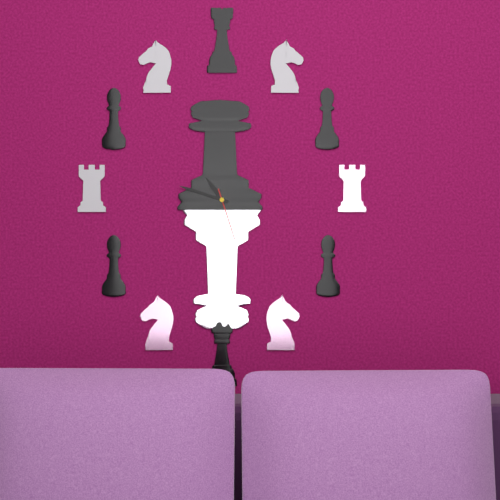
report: 10,48,27
